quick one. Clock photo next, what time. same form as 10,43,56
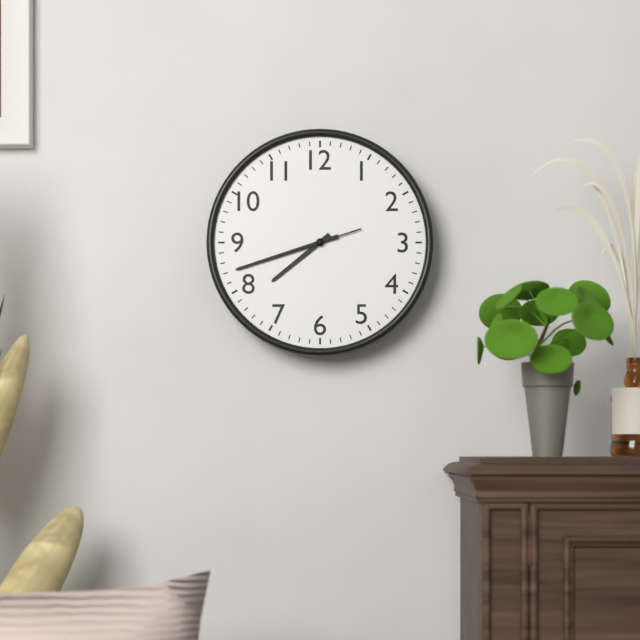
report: 7,42,42
